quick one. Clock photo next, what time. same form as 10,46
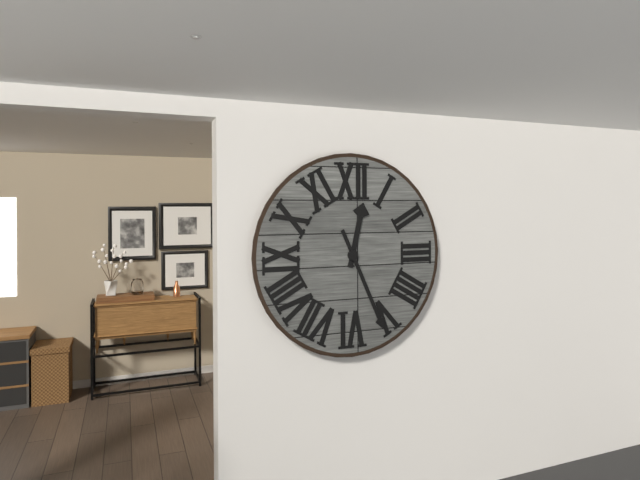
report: 12,26
